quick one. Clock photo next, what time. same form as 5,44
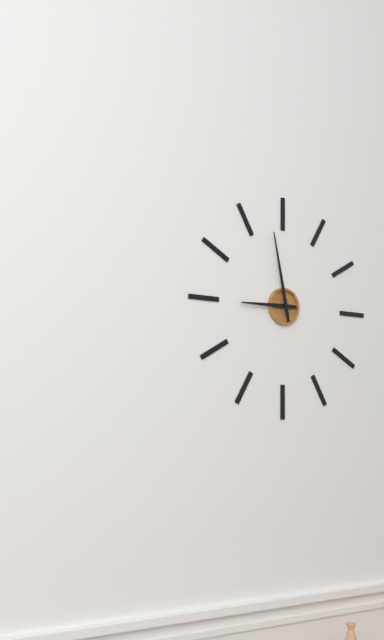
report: 8,58
